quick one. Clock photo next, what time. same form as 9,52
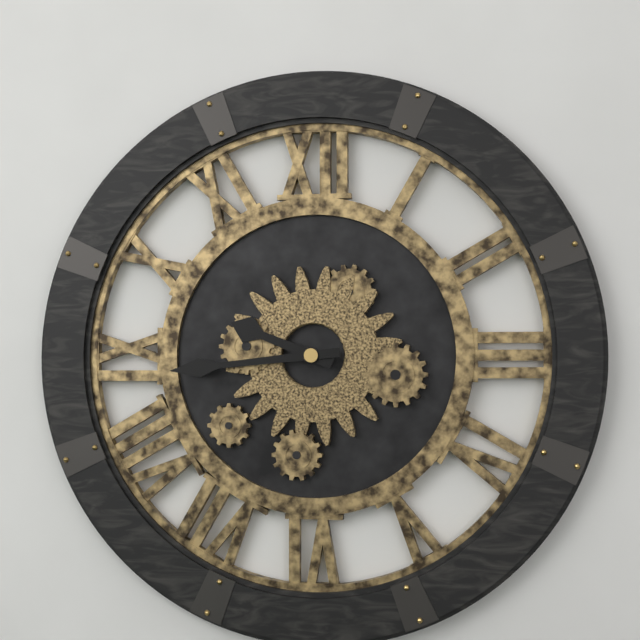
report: 9,44
